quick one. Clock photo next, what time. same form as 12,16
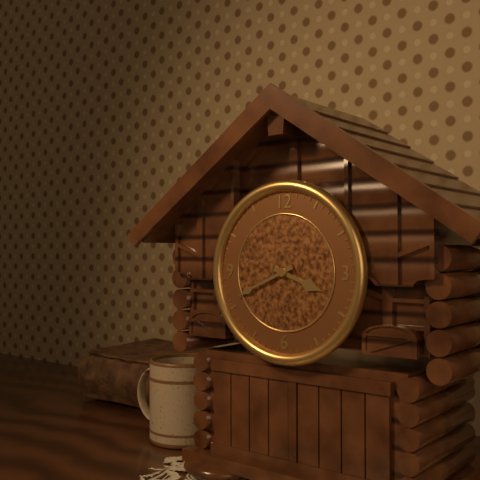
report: 3,41
